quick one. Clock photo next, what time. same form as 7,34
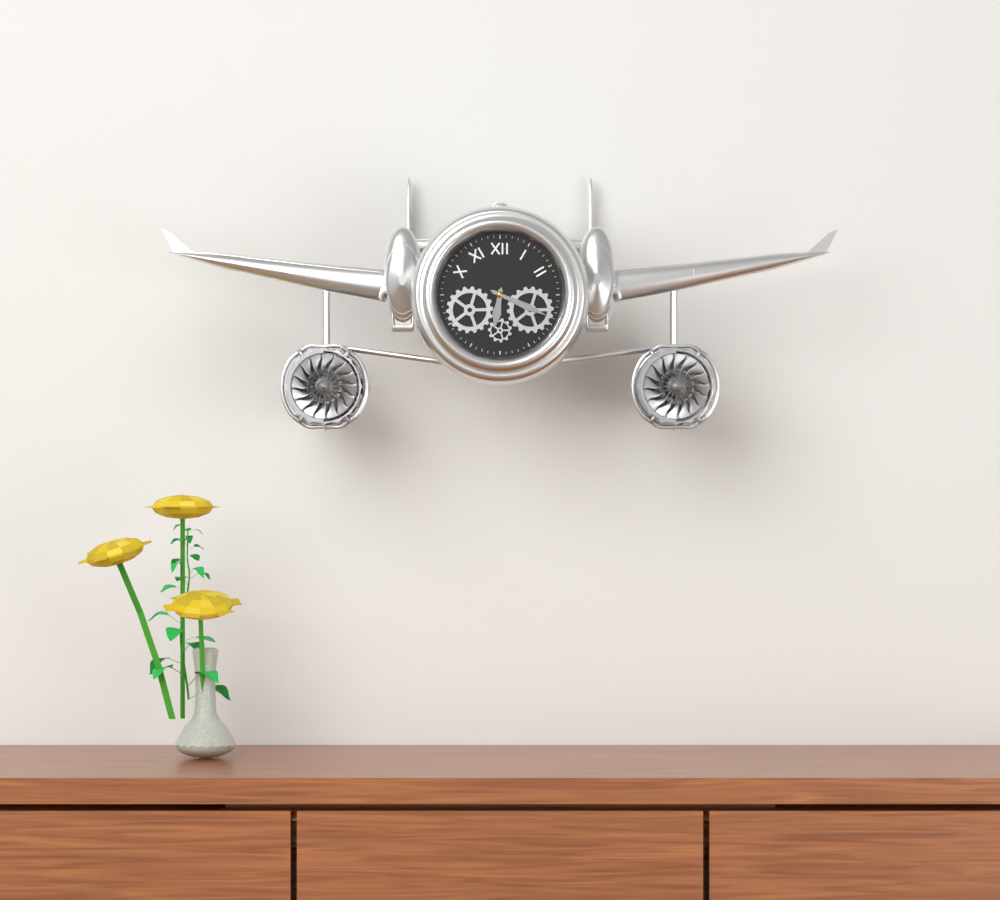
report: 6,19
